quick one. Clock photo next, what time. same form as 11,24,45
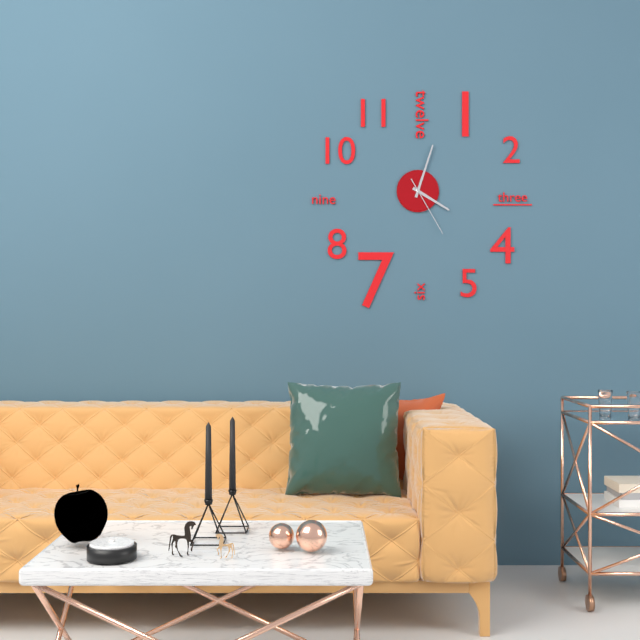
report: 4,03,25
